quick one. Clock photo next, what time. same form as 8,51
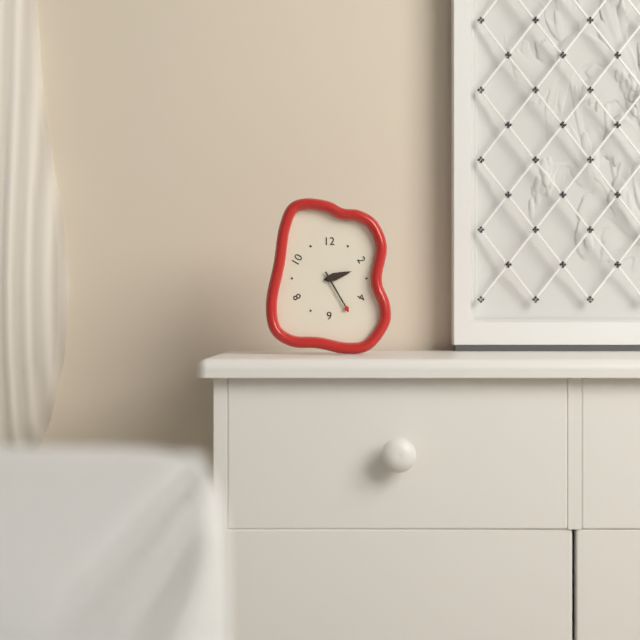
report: 2,25
